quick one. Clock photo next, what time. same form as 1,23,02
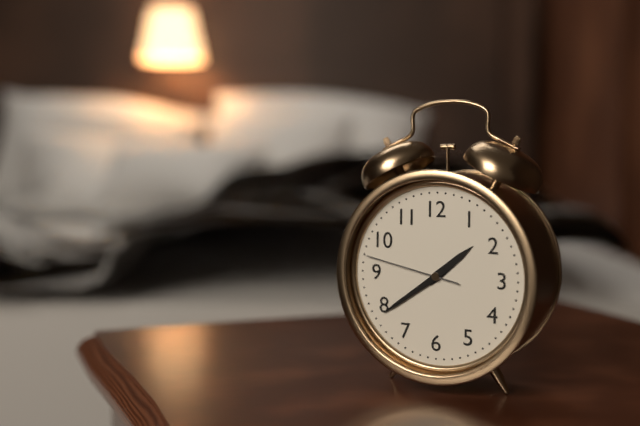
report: 1,39,47
